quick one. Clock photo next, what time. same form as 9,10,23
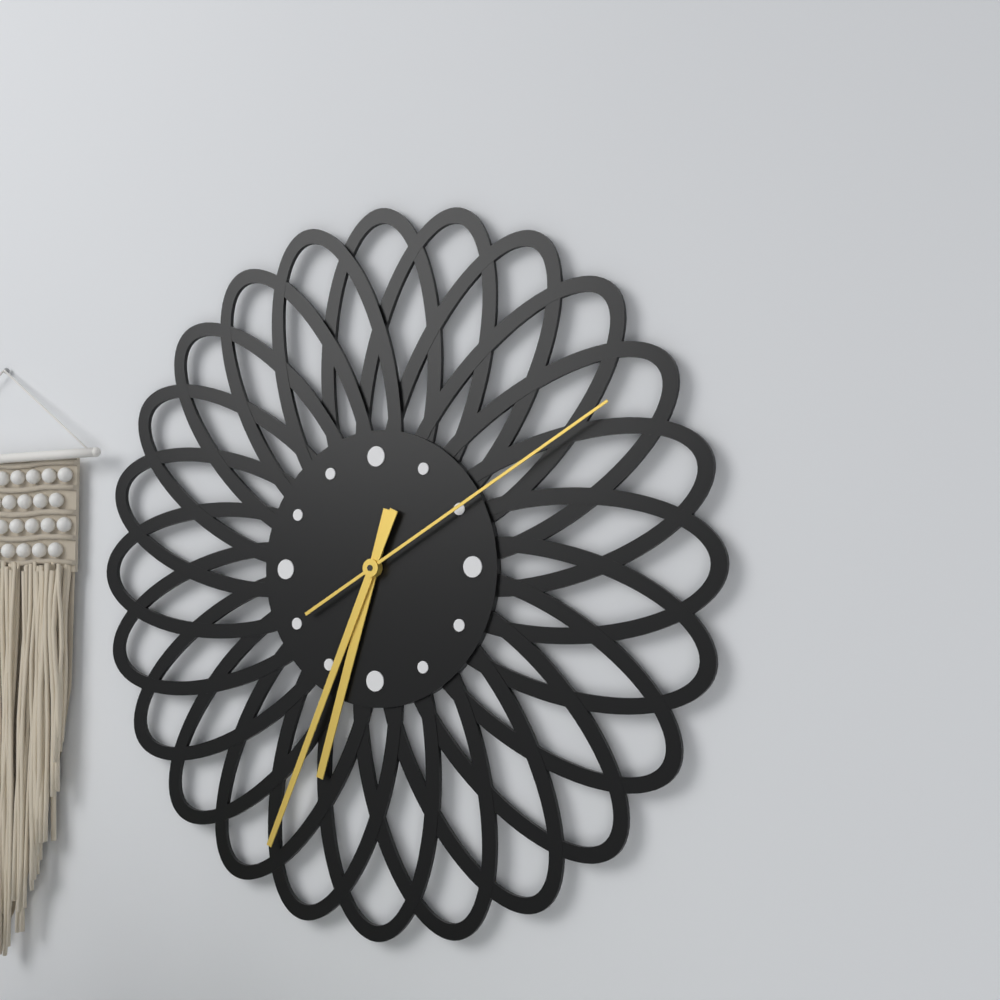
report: 6,34,10
